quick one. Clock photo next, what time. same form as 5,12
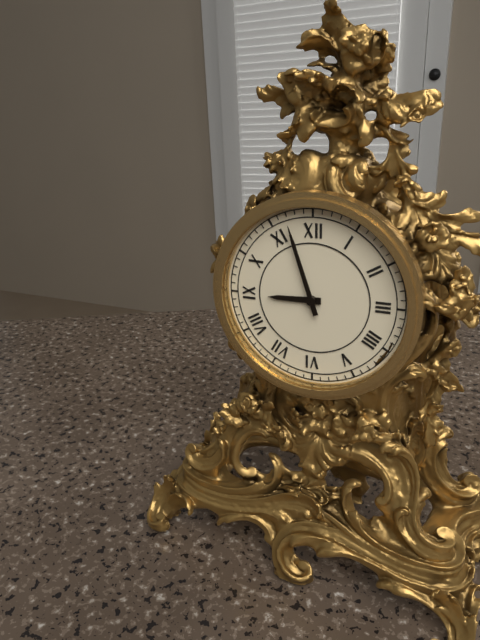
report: 8,57
